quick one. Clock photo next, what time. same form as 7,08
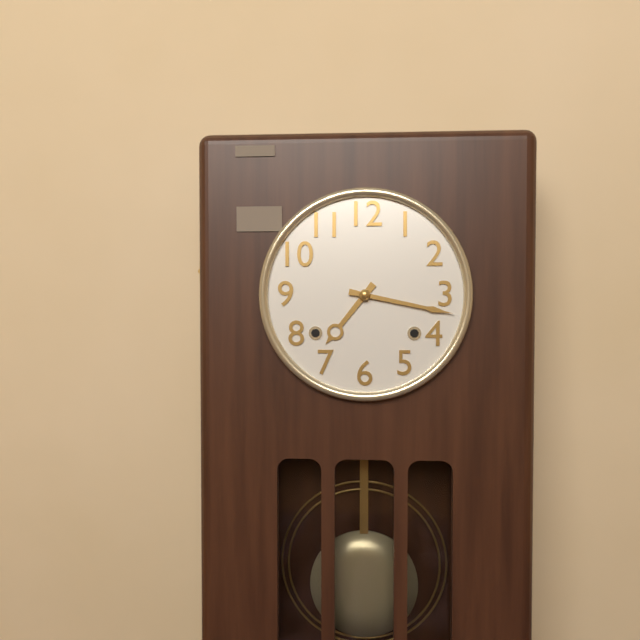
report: 7,17
